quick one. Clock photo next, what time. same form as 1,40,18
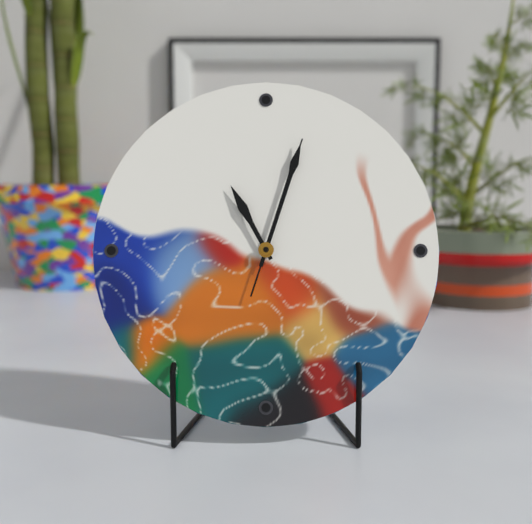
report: 11,03,03
